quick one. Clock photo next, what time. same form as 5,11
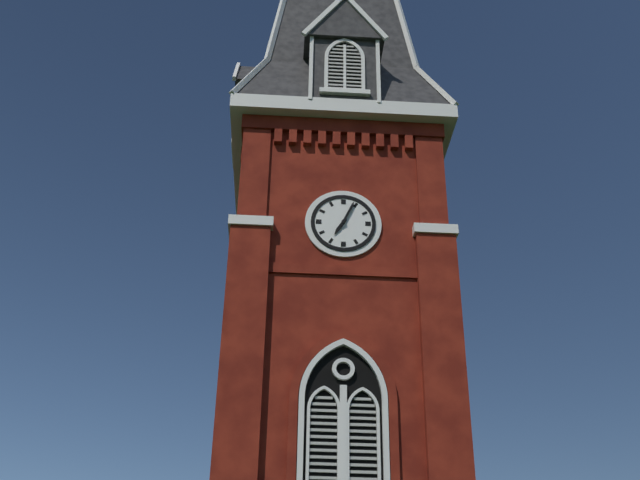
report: 7,04
